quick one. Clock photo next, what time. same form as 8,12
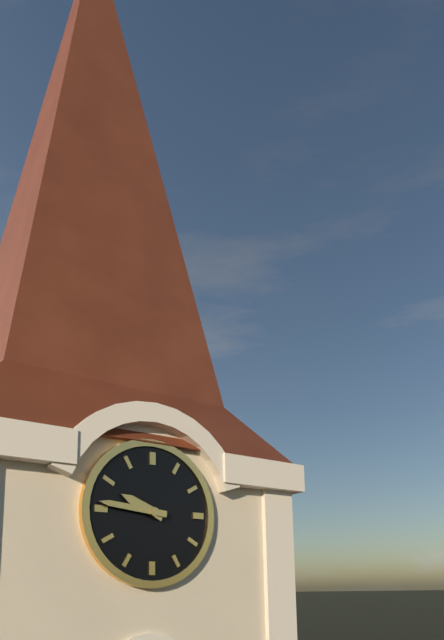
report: 9,46
